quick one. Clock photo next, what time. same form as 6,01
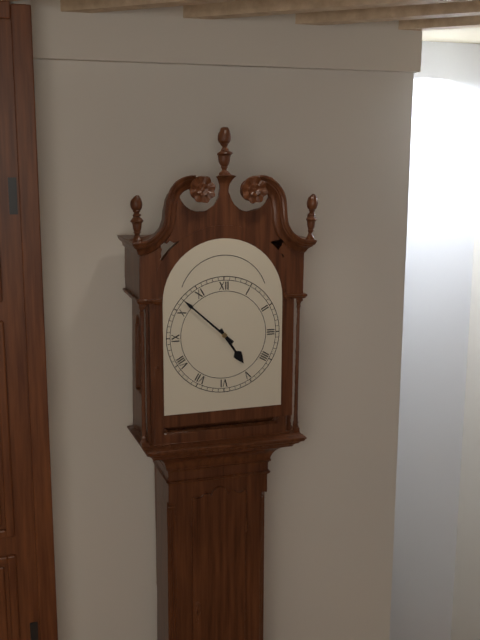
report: 4,52
